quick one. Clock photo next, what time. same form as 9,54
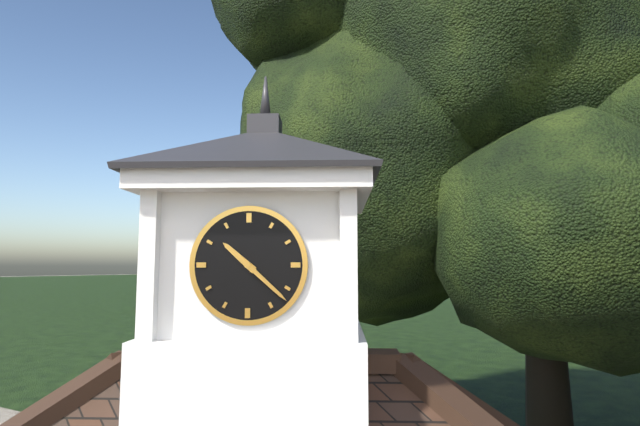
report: 10,22
